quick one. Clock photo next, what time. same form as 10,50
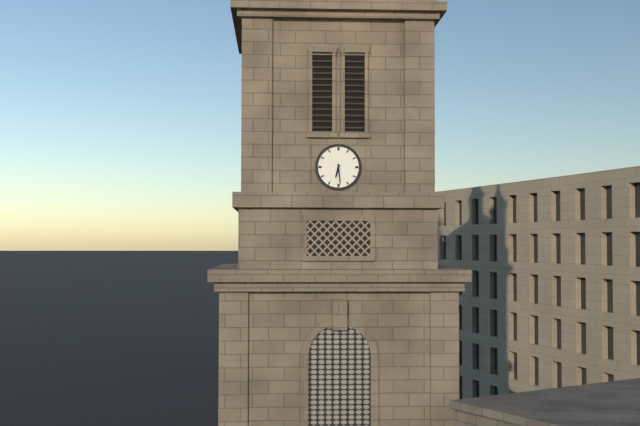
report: 6,29
